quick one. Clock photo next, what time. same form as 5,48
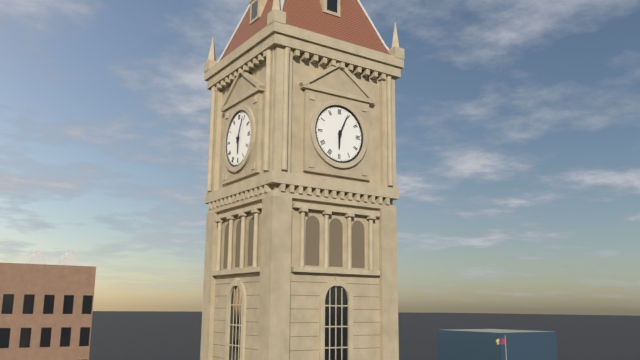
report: 6,04
